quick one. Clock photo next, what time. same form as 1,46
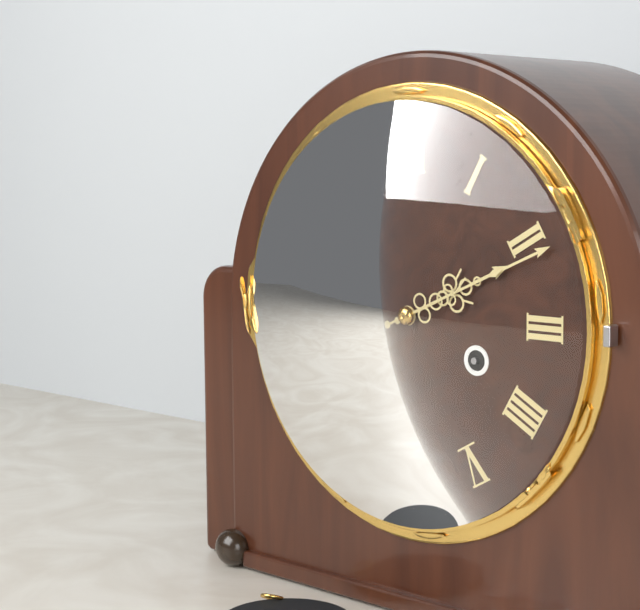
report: 2,11
